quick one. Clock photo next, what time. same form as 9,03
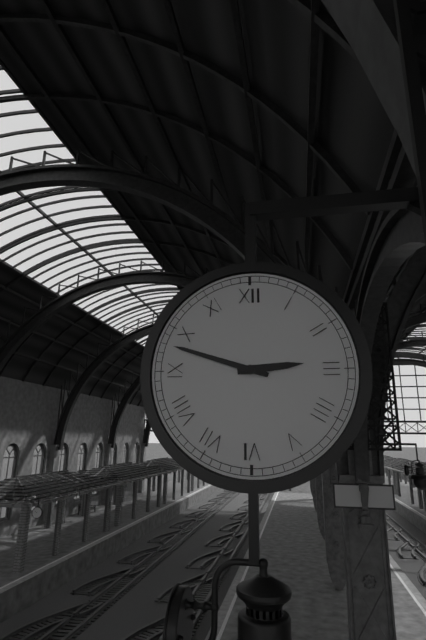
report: 2,48
